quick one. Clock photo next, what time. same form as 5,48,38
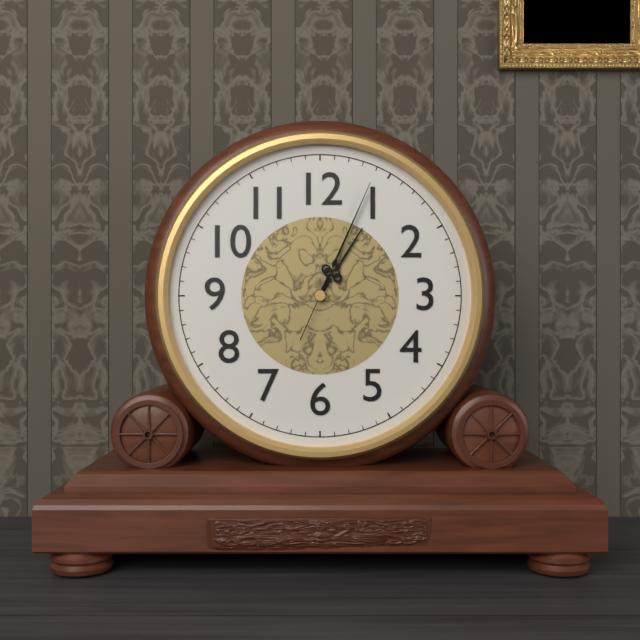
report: 1,04,04
